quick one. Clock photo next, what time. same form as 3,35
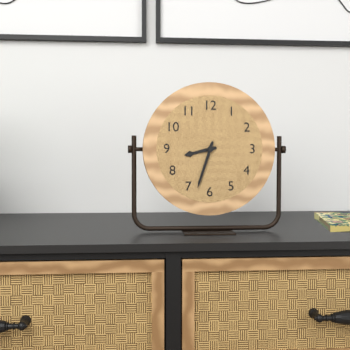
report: 8,33
